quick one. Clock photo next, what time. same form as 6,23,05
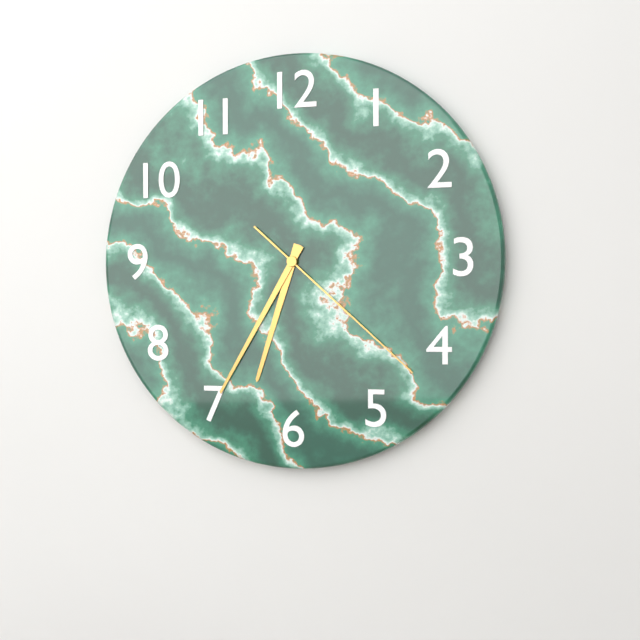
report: 6,35,22
